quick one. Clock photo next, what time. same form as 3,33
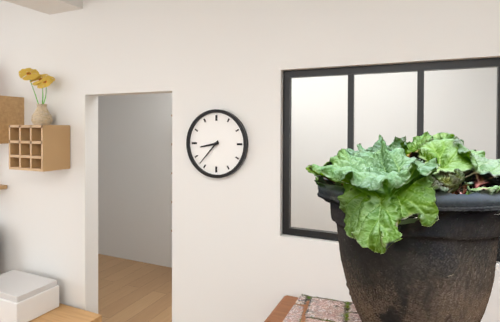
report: 8,37
